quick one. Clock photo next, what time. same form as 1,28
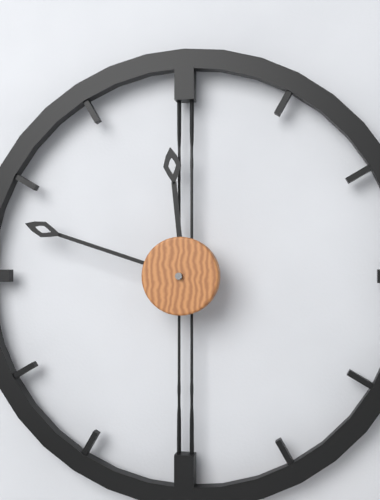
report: 11,48
